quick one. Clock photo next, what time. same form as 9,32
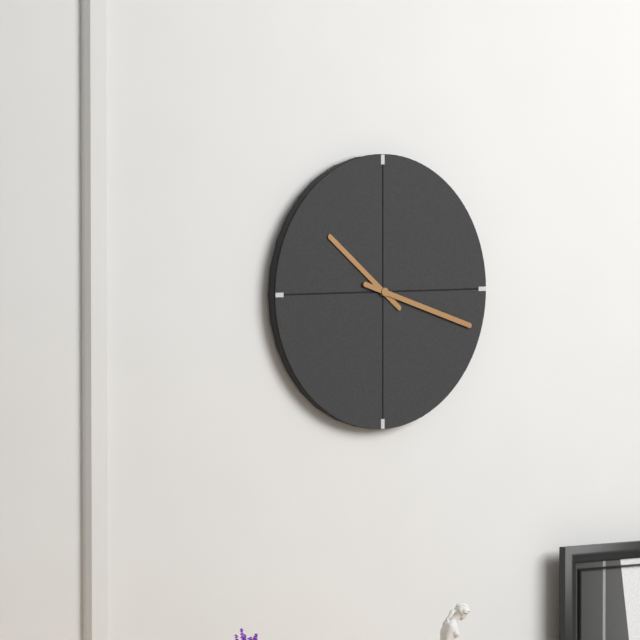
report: 10,18
